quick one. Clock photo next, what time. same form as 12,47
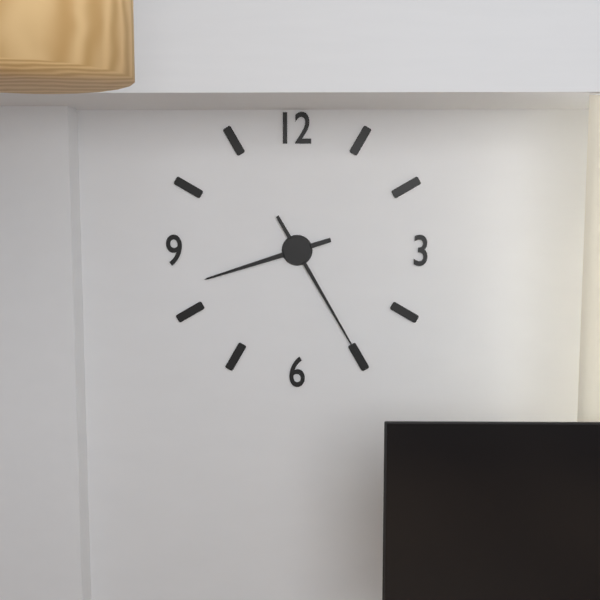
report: 8,25
